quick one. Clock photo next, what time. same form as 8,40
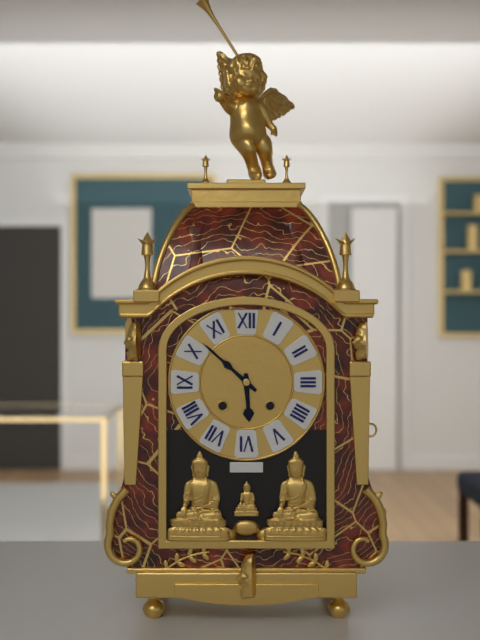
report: 5,52
